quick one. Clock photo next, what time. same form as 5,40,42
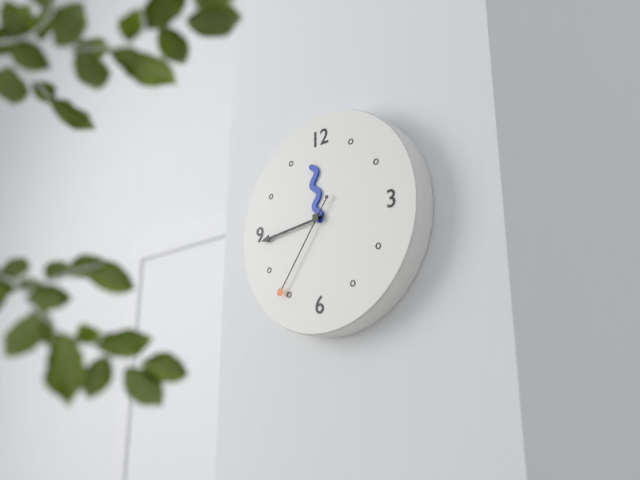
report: 11,44,36
